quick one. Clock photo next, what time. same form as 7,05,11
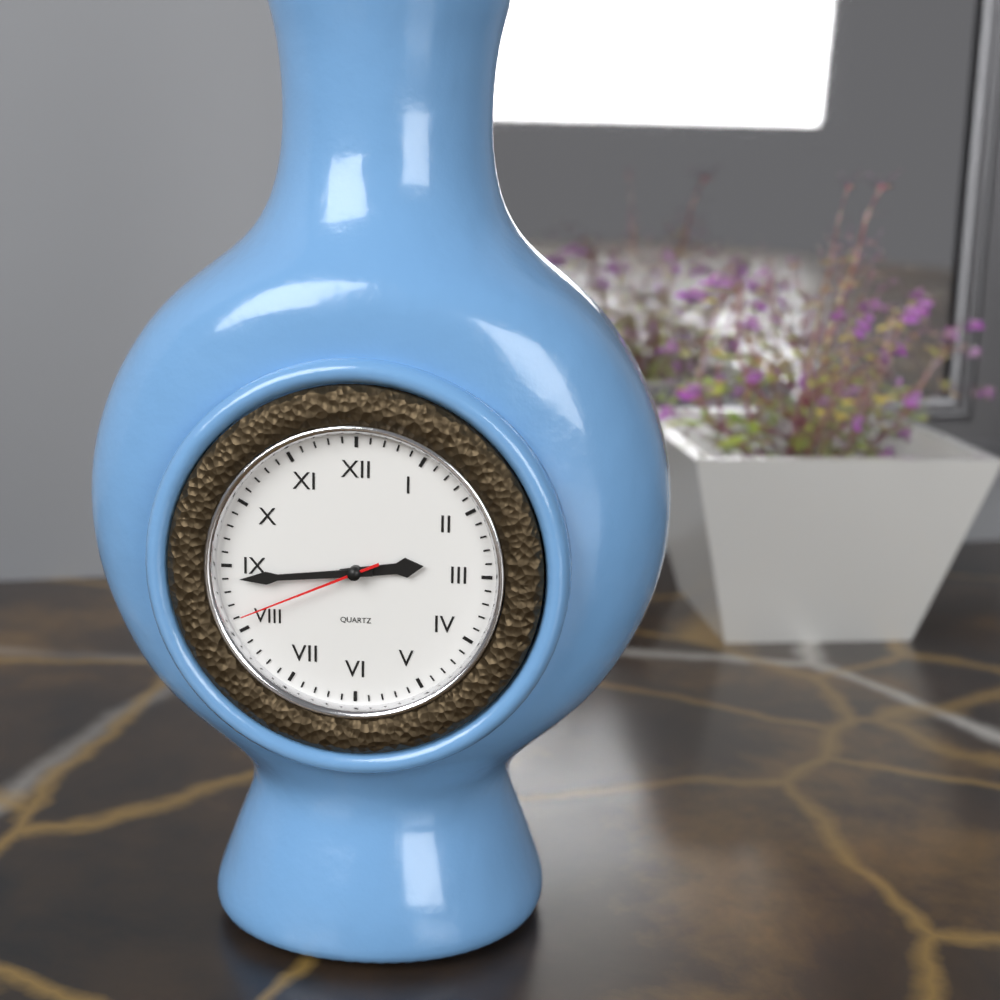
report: 2,44,41
